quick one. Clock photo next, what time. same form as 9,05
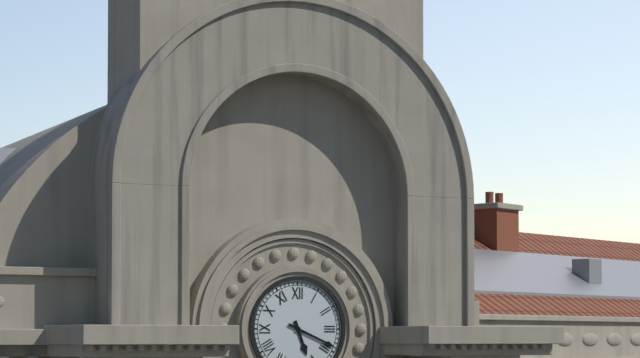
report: 5,19
